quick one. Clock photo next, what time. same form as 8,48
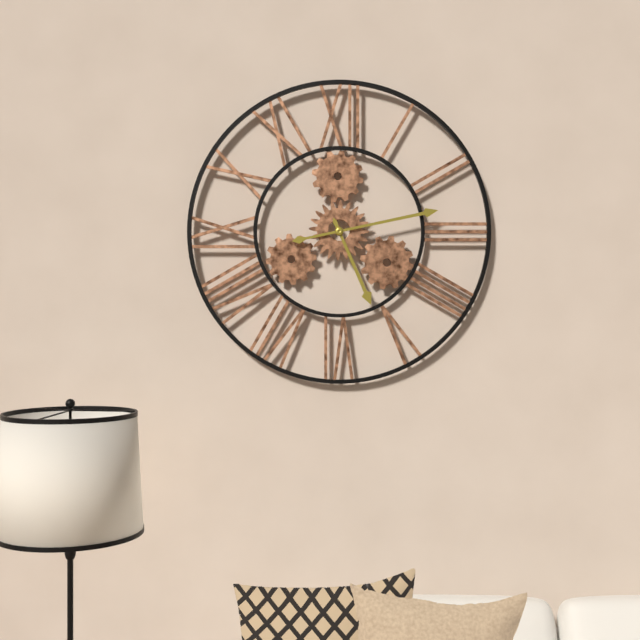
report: 5,13
